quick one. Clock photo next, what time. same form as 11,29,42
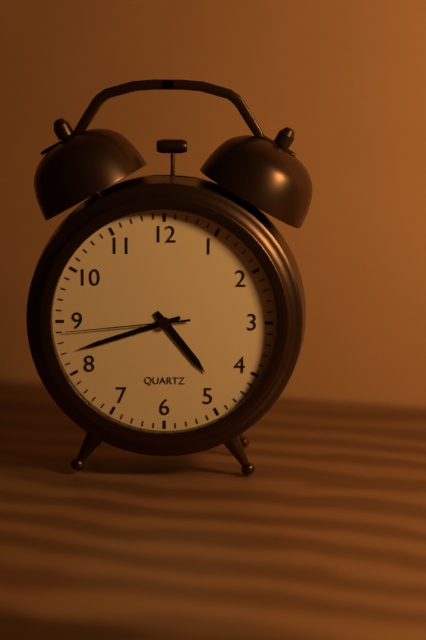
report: 4,42,44
